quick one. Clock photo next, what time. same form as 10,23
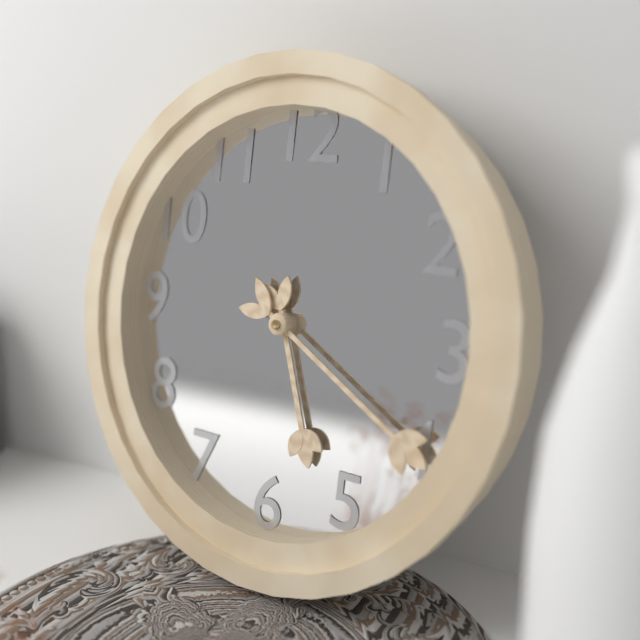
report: 5,20
